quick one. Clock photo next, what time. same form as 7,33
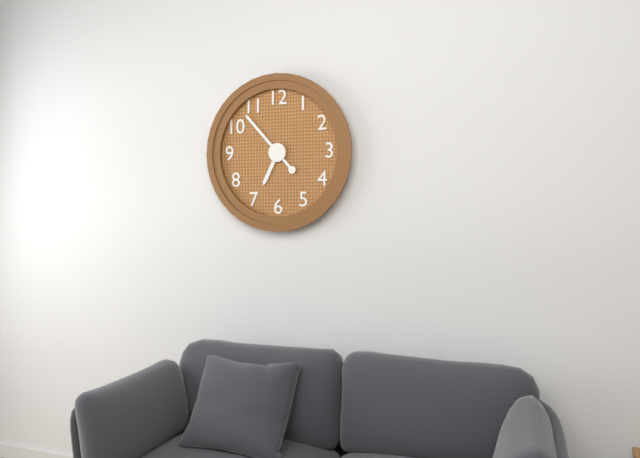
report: 6,53
